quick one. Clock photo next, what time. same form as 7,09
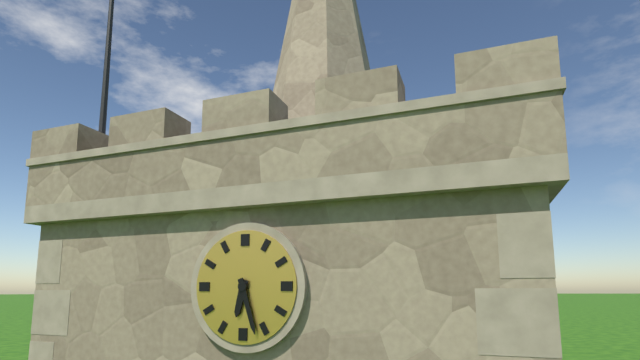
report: 6,27
